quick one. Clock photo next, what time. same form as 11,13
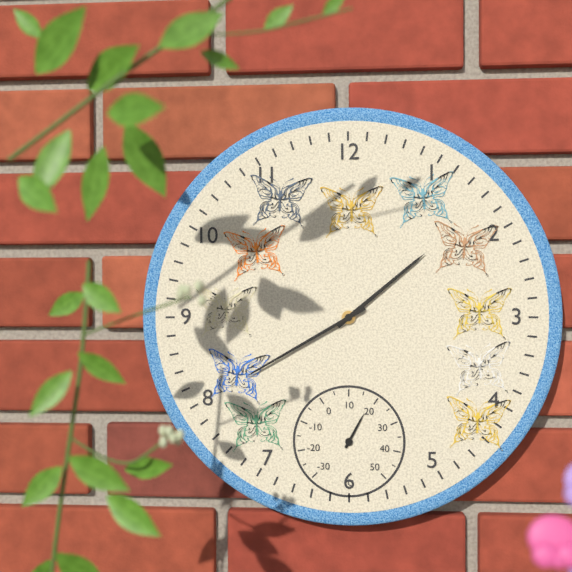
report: 1,40
